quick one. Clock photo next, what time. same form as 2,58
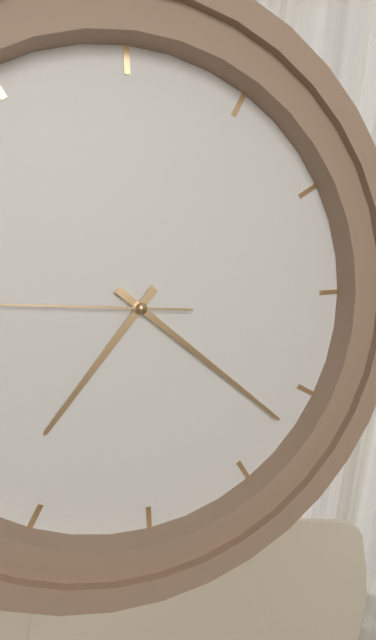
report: 7,22
